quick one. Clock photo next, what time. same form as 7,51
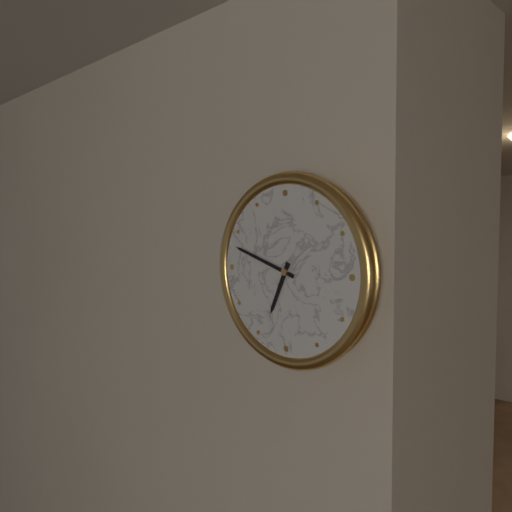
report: 6,48
